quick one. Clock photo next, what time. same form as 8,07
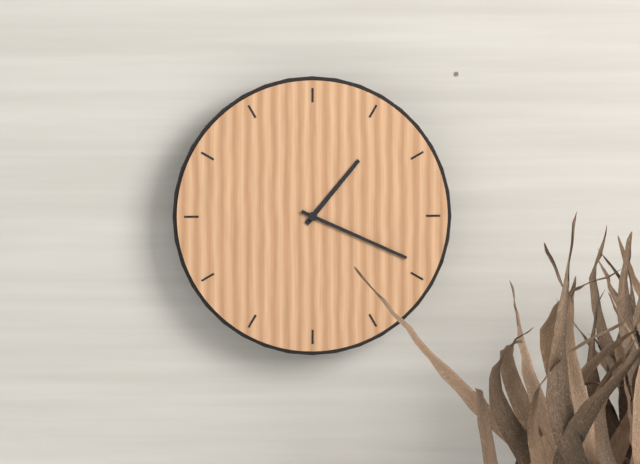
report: 1,19
